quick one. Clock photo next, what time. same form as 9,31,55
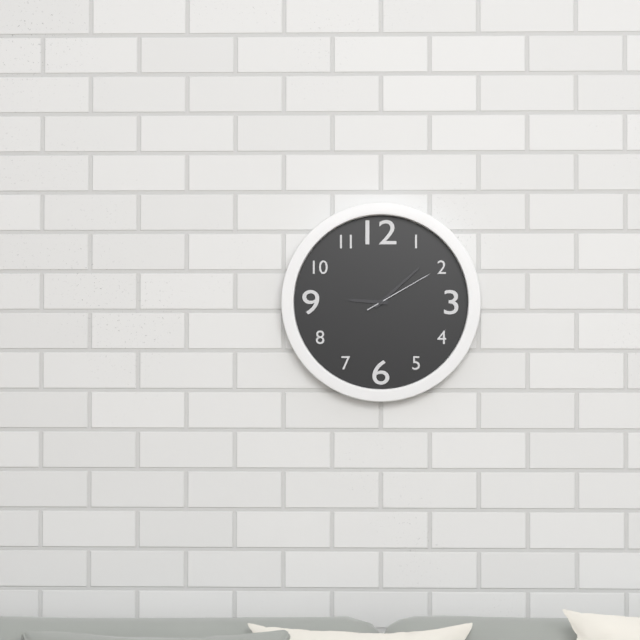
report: 9,08,10
